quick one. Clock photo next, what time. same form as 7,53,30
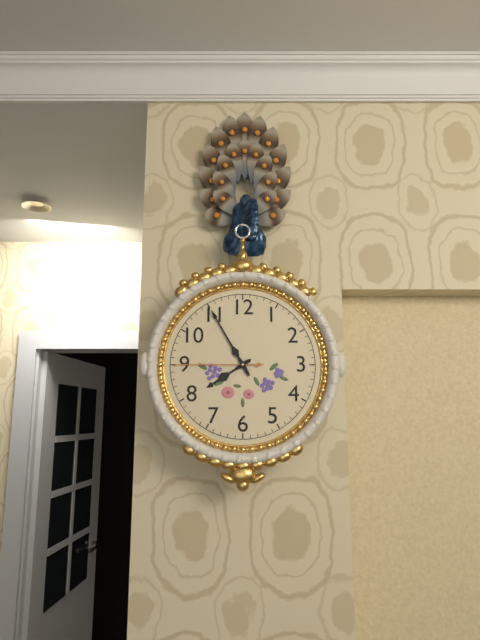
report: 7,55,45
